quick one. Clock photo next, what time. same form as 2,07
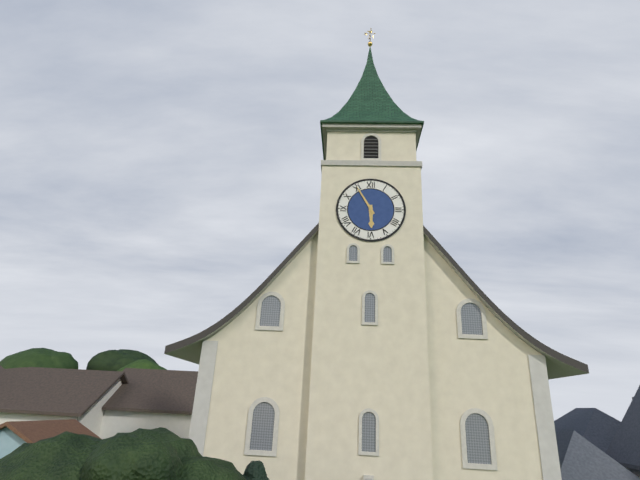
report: 5,55
